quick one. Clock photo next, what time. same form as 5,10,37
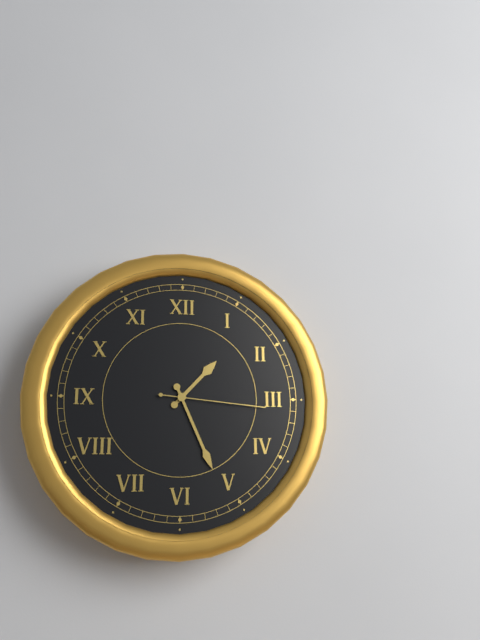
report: 1,26,16
